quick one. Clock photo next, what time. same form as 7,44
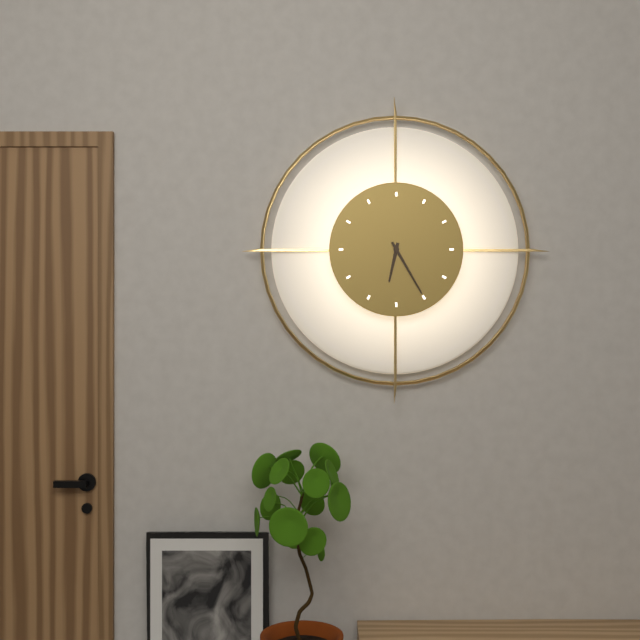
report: 6,25
